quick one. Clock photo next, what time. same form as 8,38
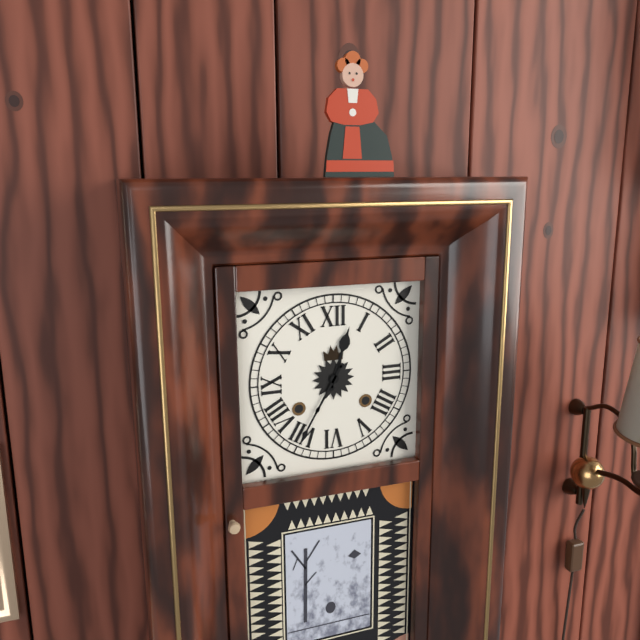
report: 12,35
